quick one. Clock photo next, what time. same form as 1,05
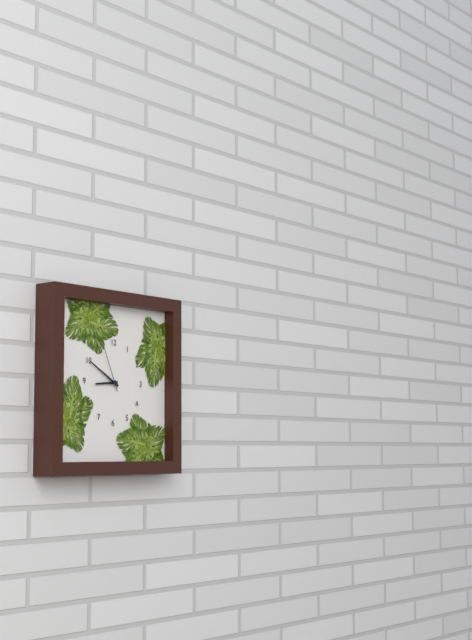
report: 8,50
